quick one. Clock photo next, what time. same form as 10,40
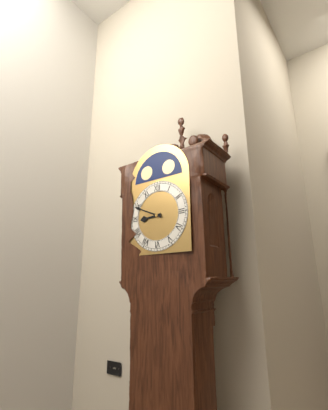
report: 8,49
